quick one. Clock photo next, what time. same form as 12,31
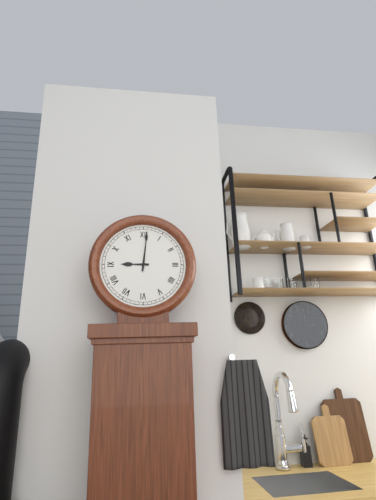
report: 9,01
